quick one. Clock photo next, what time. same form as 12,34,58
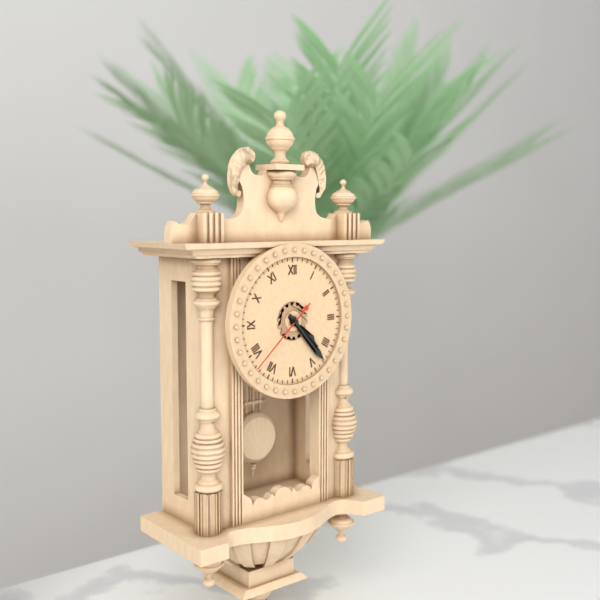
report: 4,23,38
